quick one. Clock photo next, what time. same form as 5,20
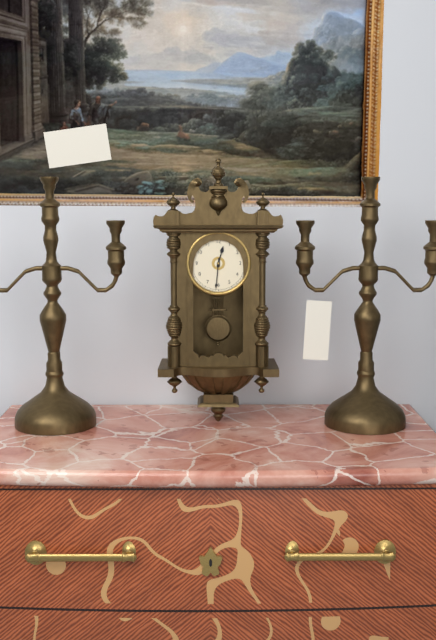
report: 12,31
